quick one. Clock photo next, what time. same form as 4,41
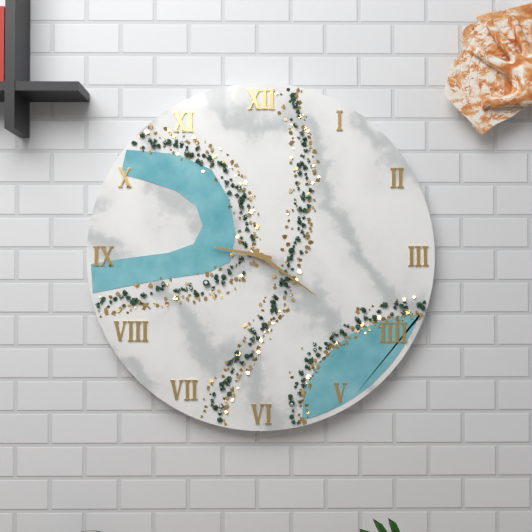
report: 9,21
